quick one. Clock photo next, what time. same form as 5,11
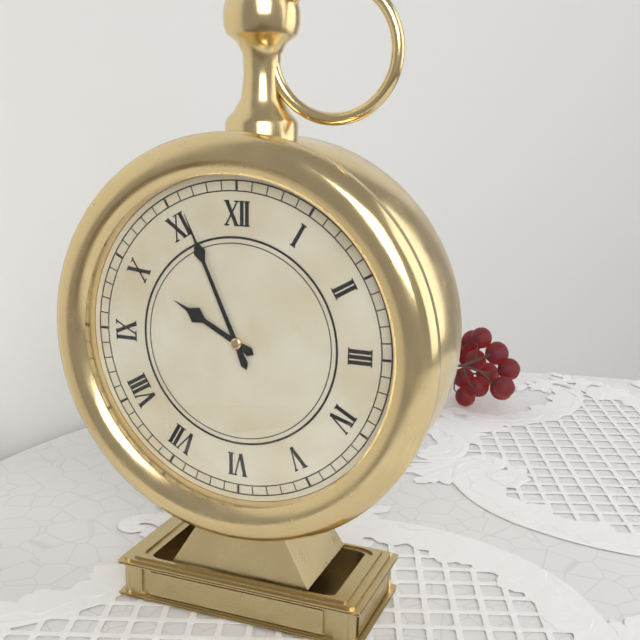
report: 9,56
